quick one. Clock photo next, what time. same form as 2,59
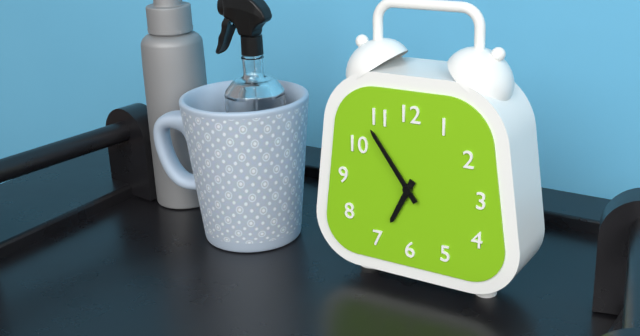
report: 6,54
